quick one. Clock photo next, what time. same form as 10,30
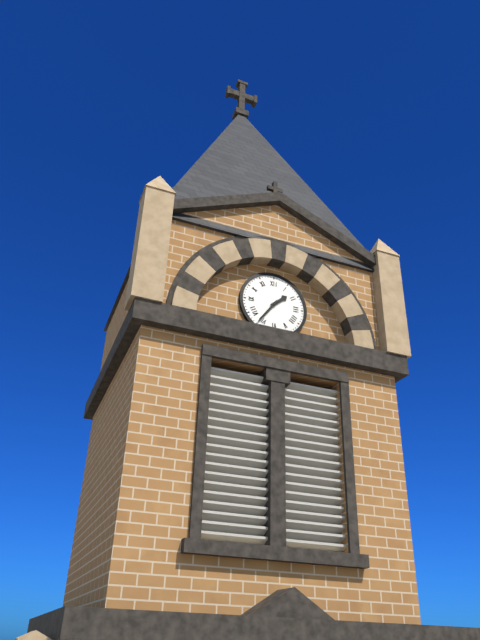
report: 1,36
